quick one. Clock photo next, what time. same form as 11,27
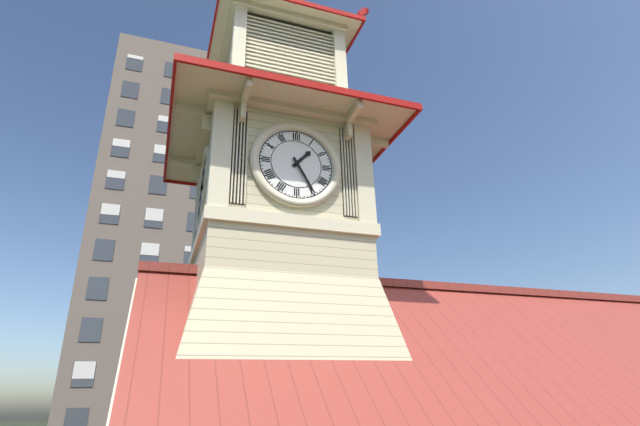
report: 1,25
